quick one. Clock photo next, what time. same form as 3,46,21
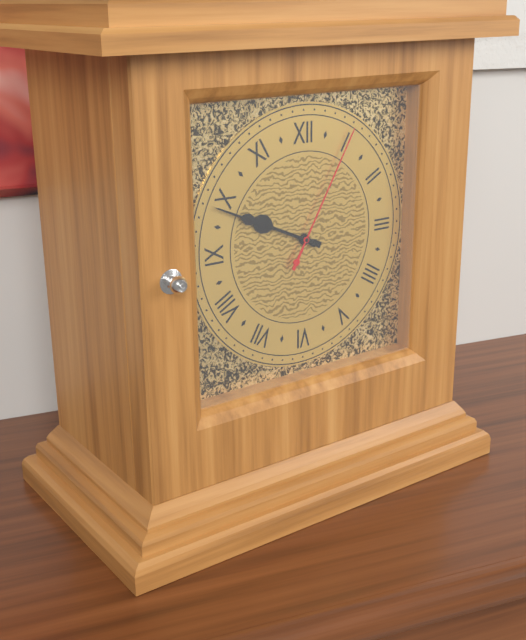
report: 9,49,05
